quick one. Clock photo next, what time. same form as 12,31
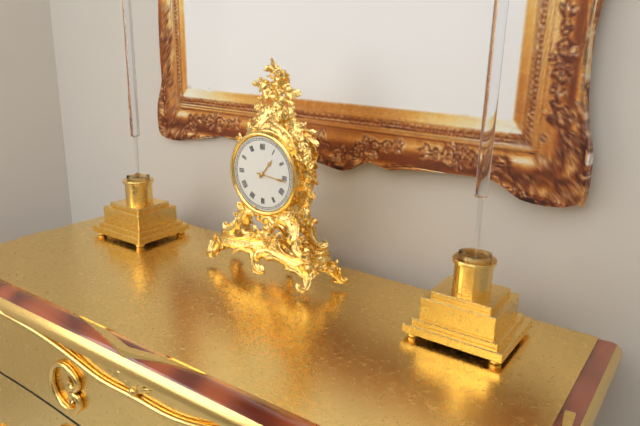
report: 1,16
